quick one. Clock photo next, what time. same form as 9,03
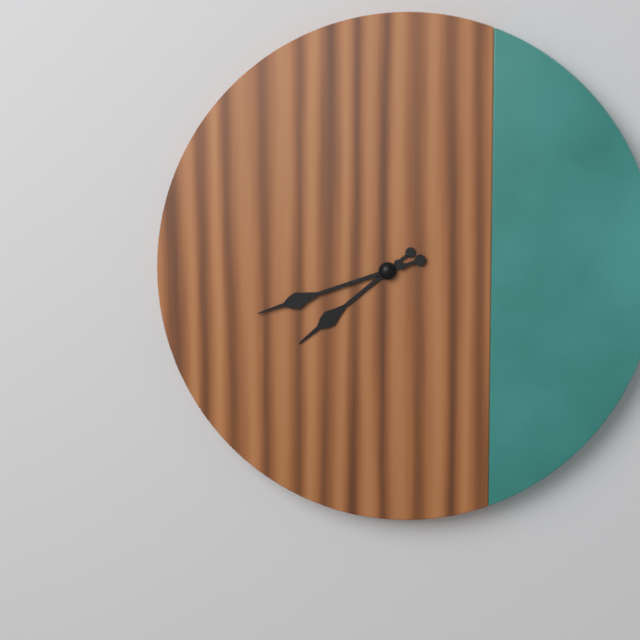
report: 7,42
